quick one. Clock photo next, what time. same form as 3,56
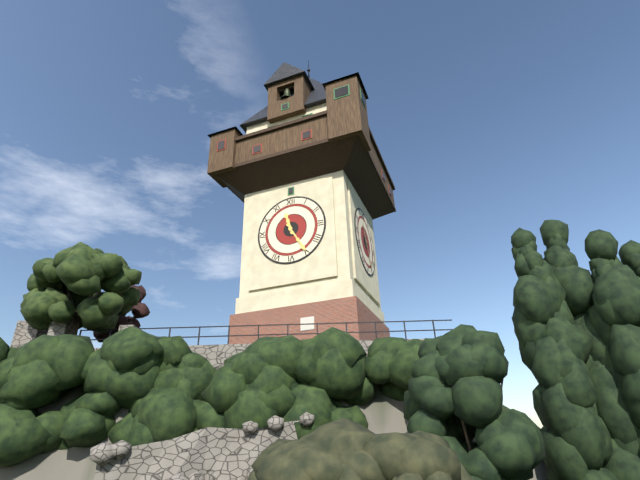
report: 11,25
